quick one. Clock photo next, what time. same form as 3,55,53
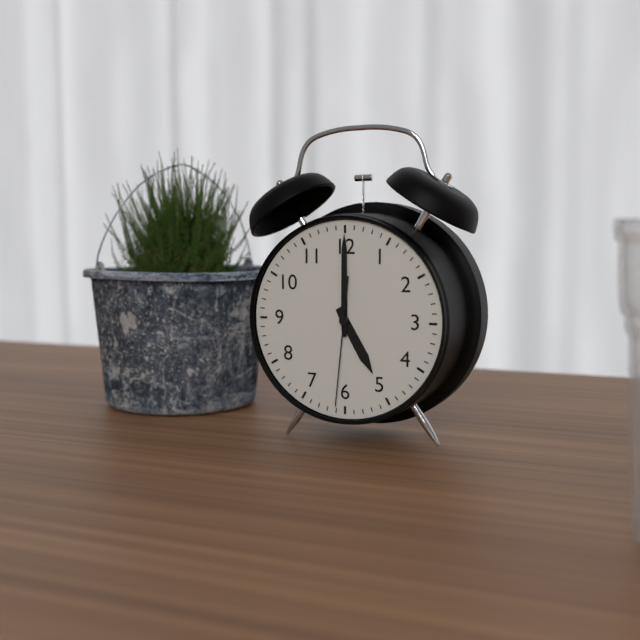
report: 5,00,31
